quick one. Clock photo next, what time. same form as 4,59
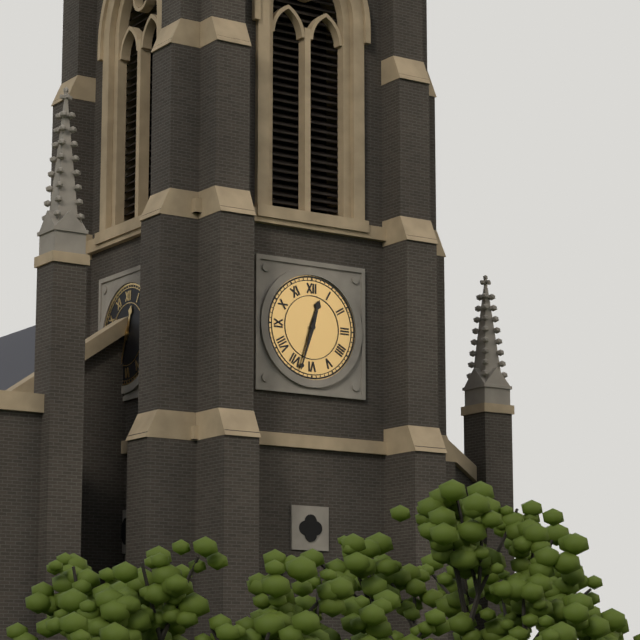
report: 12,33
